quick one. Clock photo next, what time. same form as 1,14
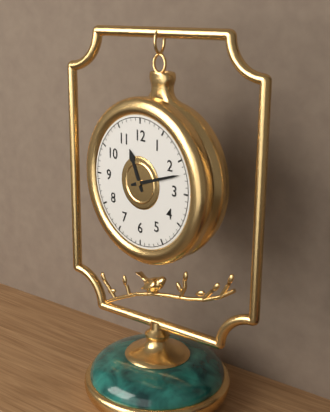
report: 11,12
